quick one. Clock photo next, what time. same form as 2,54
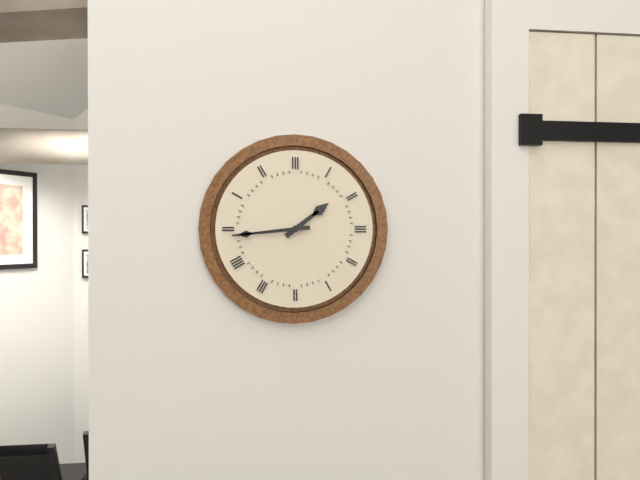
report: 1,44
